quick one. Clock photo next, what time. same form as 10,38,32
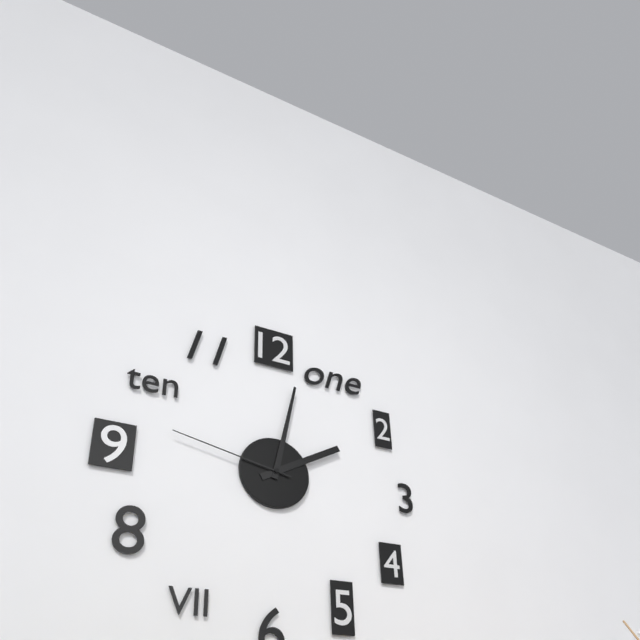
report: 2,02,47
